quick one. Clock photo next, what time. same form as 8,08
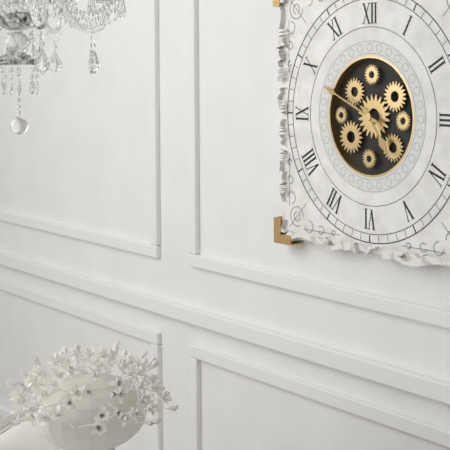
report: 4,49
